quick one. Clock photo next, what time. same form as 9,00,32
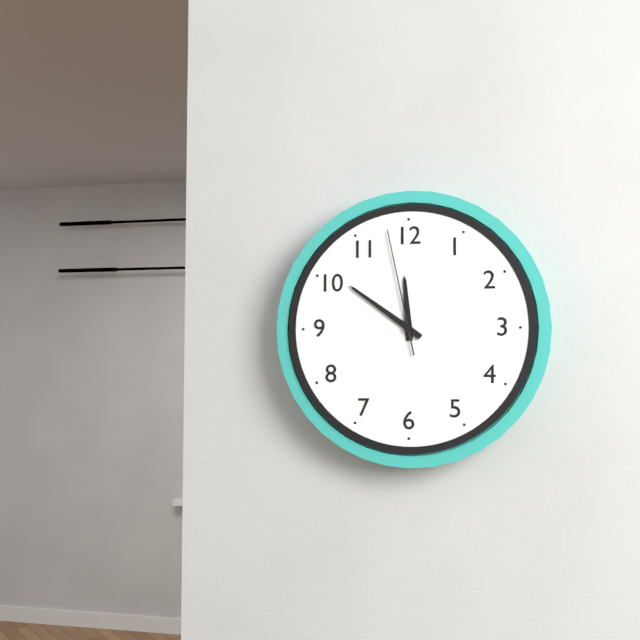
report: 11,51,58
